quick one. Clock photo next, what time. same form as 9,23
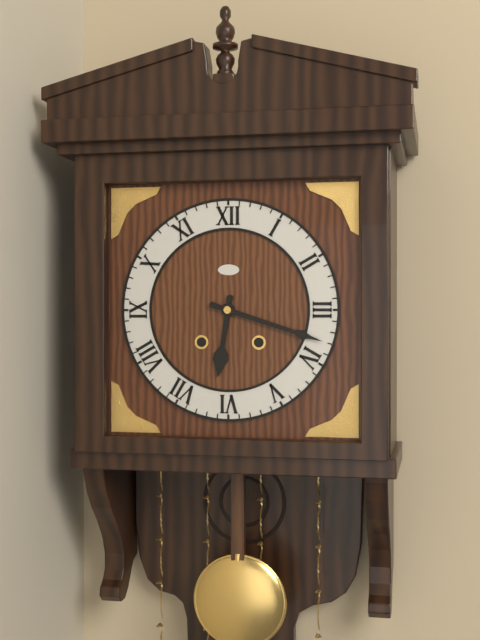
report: 6,18
